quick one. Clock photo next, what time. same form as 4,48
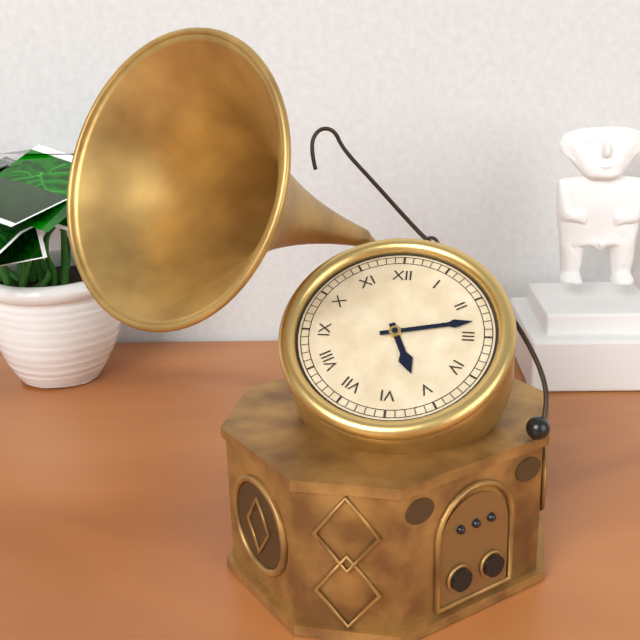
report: 5,13
